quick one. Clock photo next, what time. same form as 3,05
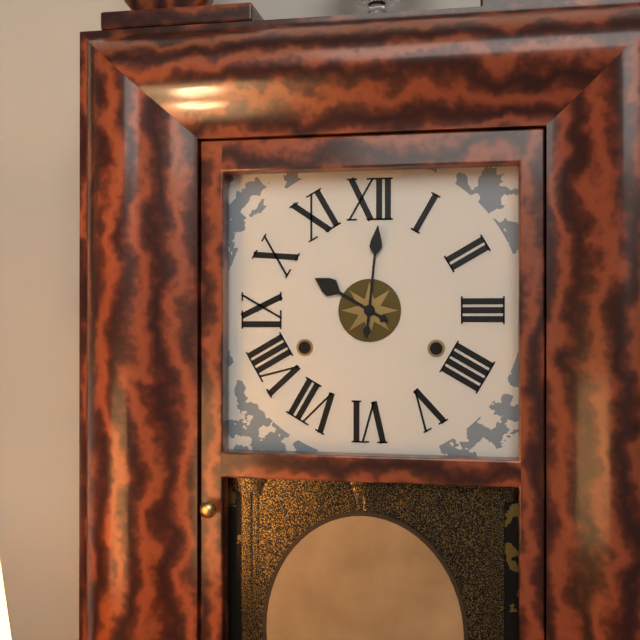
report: 10,01
